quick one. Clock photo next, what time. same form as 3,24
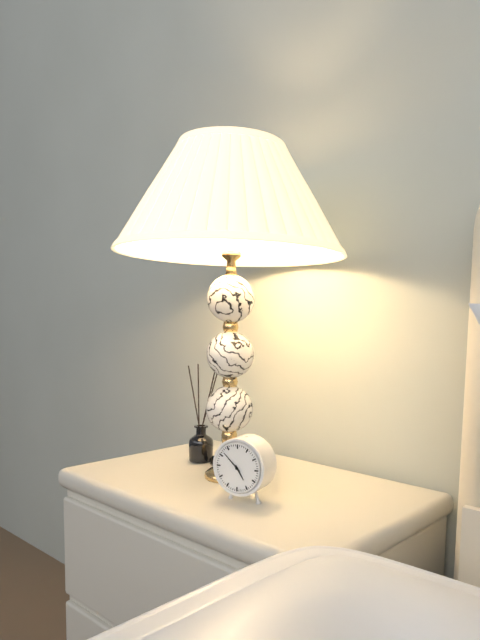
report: 4,52
